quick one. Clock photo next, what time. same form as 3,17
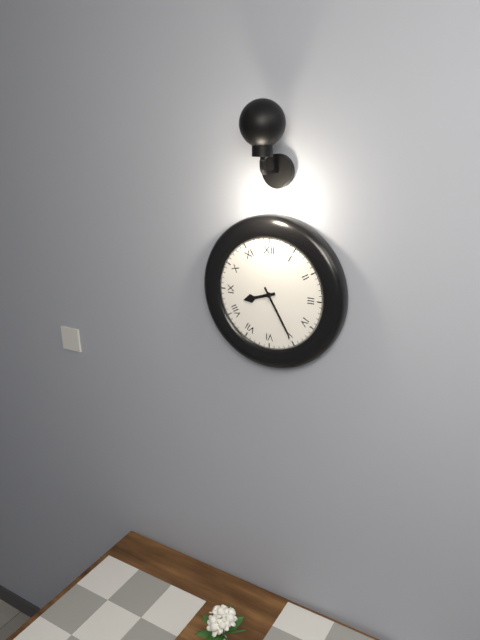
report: 8,25
